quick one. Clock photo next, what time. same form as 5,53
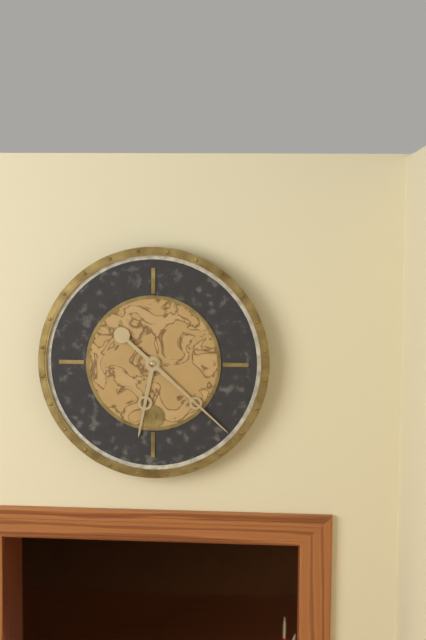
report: 6,22
